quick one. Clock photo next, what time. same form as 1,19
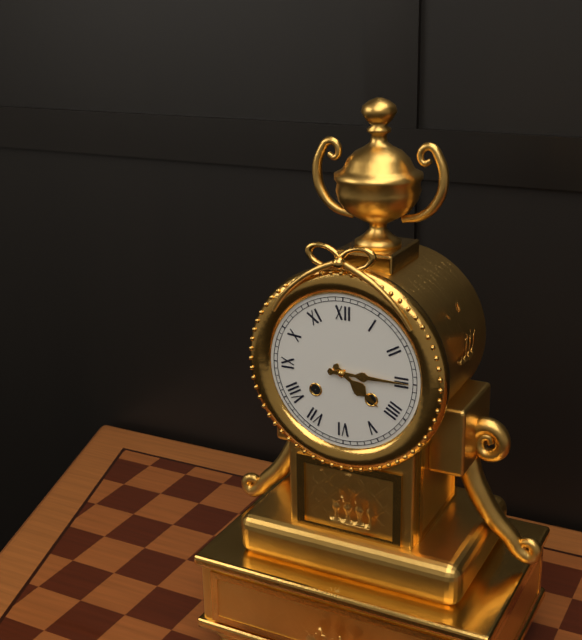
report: 4,15
